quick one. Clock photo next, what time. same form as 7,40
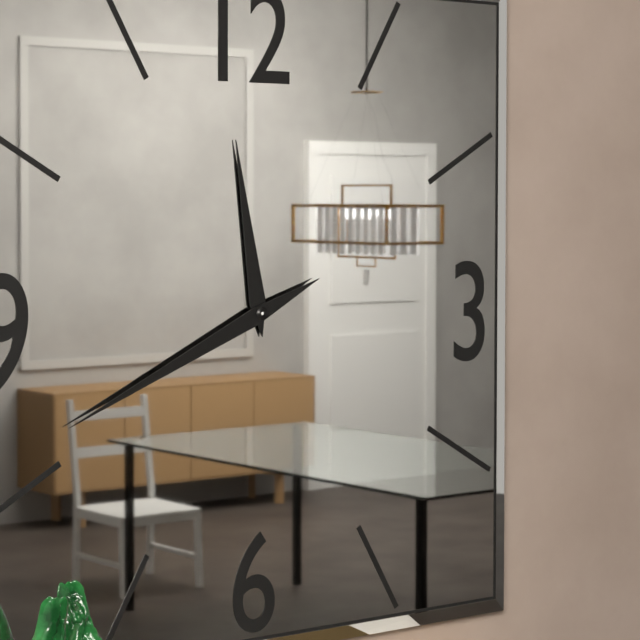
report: 11,41
